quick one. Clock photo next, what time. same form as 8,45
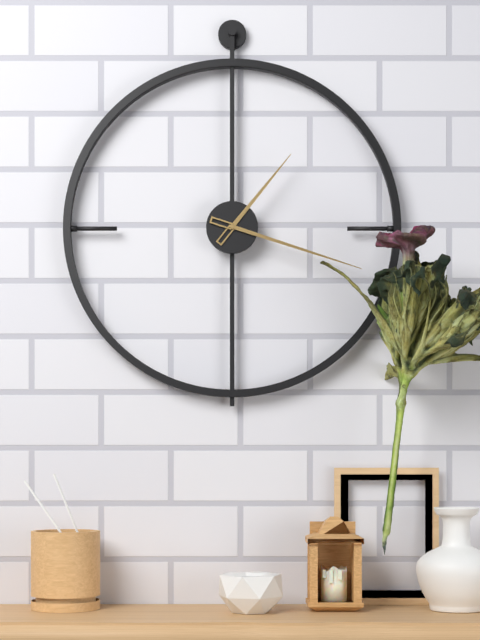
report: 1,18
